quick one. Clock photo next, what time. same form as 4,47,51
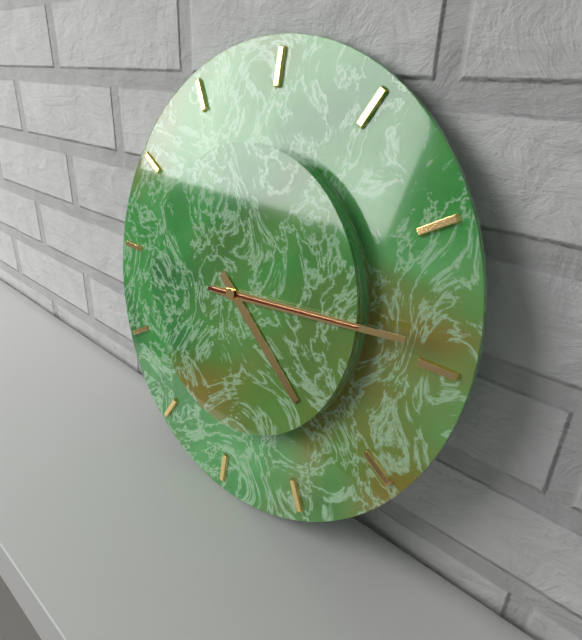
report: 4,14,14
